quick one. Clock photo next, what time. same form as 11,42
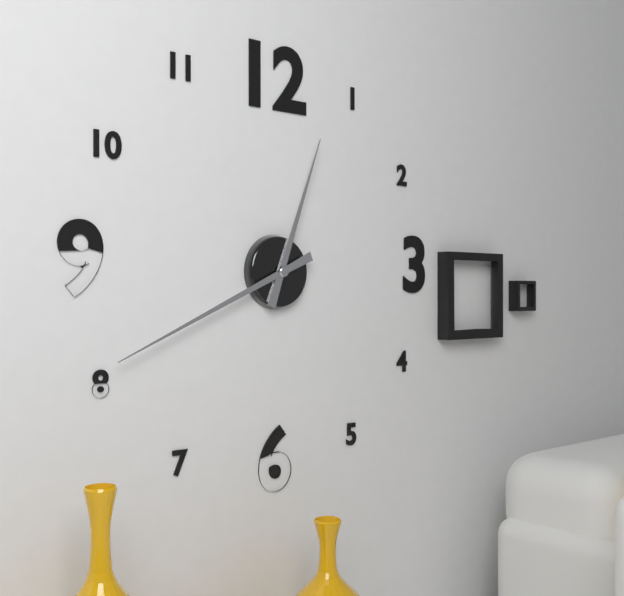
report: 12,41
